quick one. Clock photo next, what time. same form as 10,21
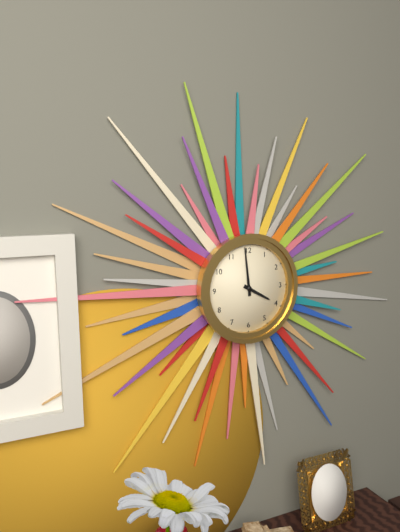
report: 3,59
